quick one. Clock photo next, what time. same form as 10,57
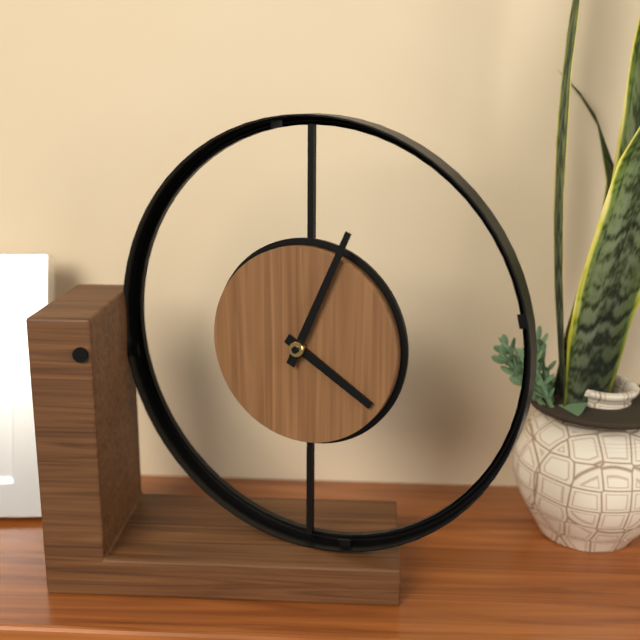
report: 4,04
